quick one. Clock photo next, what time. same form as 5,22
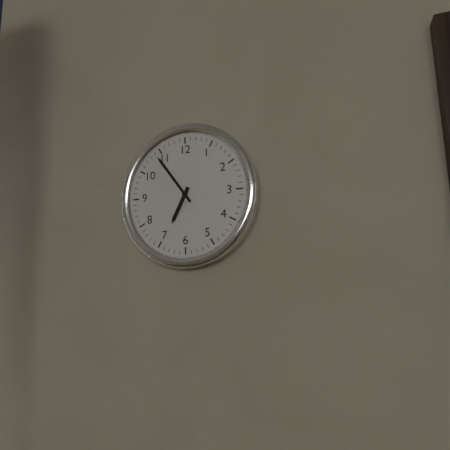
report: 6,54
